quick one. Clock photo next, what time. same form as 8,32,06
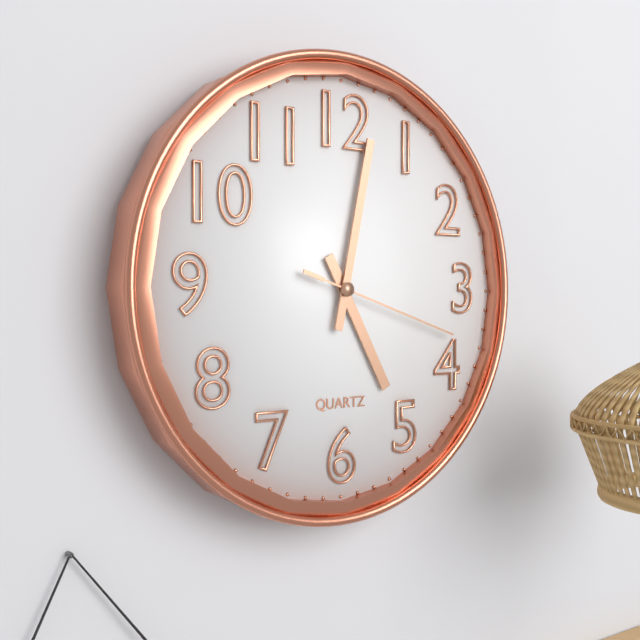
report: 5,02,18
